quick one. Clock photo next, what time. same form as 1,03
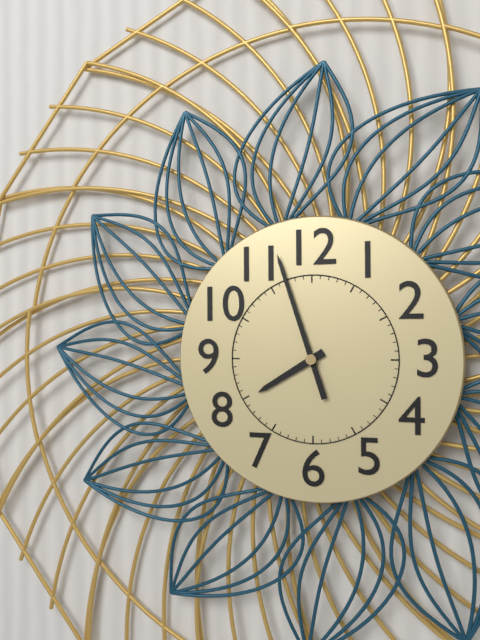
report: 7,57
